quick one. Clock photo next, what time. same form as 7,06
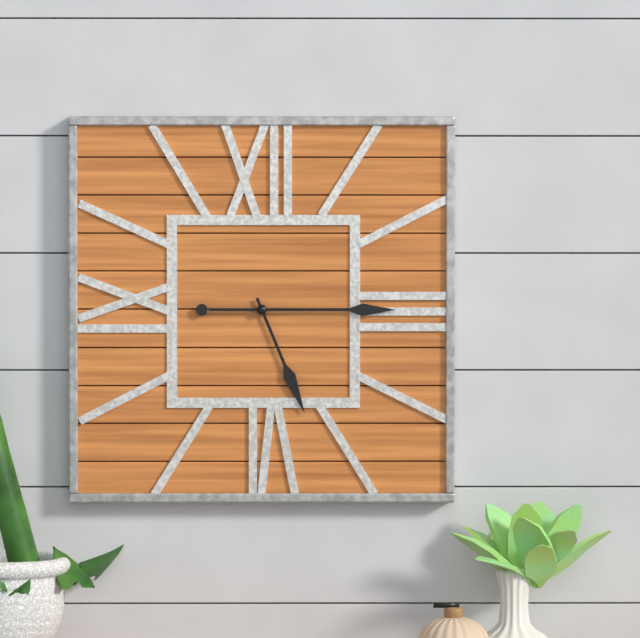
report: 5,15
